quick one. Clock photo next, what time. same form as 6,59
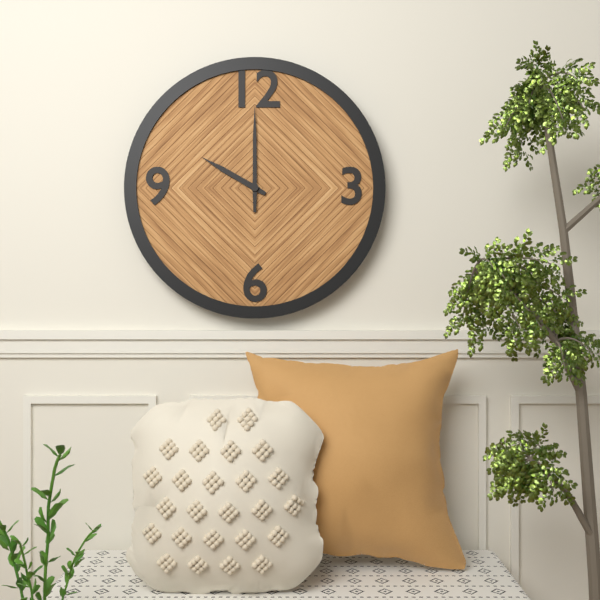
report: 10,00
